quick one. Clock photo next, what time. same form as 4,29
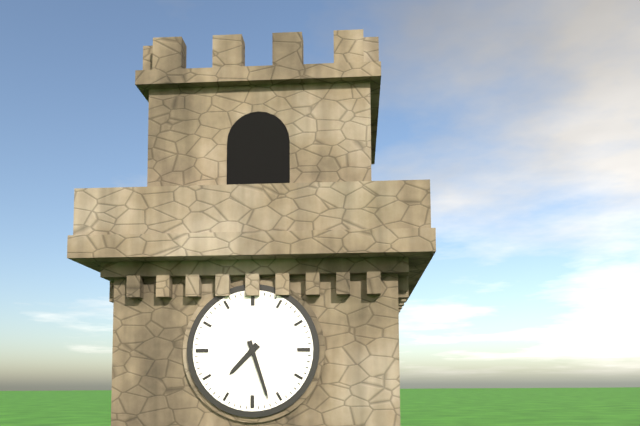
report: 7,27
